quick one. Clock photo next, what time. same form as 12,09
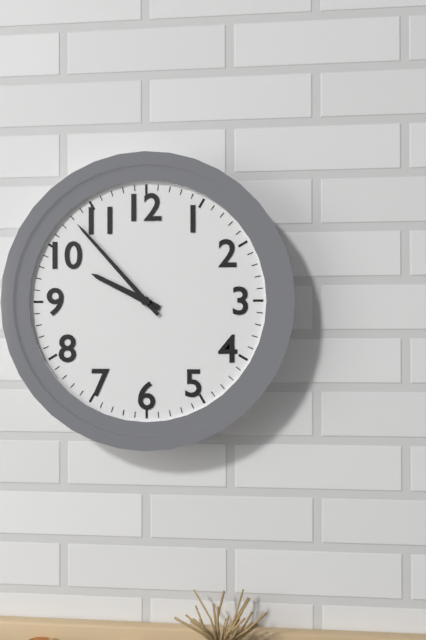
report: 9,53
